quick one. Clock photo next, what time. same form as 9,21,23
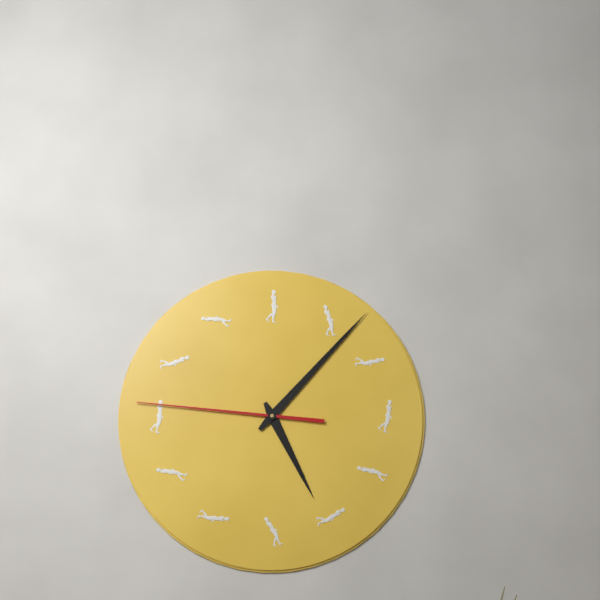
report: 5,07,46
